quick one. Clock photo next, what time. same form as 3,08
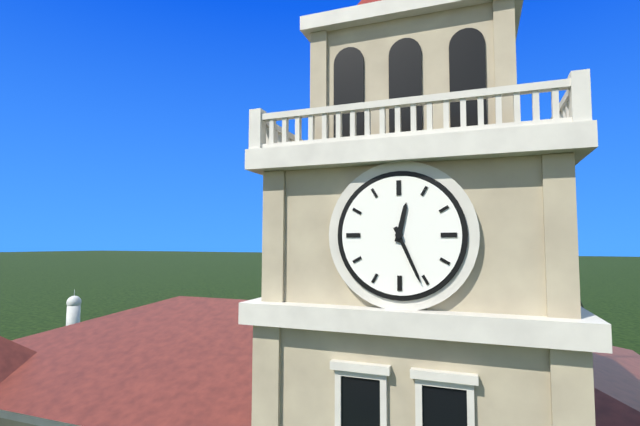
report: 12,26
